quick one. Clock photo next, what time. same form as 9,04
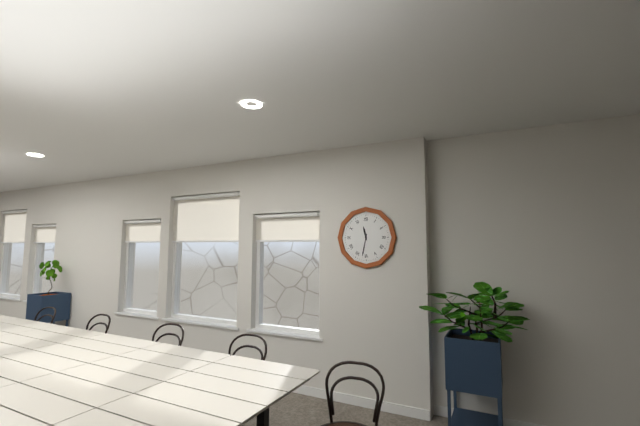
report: 11,32
